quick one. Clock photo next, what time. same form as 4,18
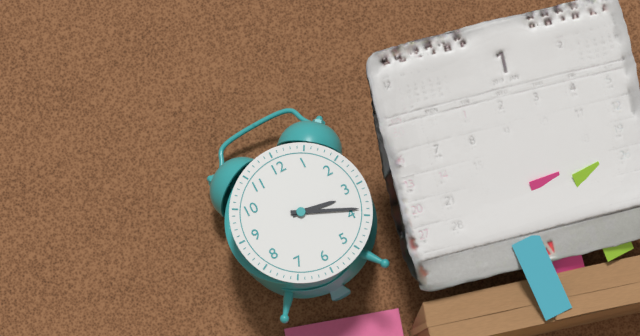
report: 3,19
